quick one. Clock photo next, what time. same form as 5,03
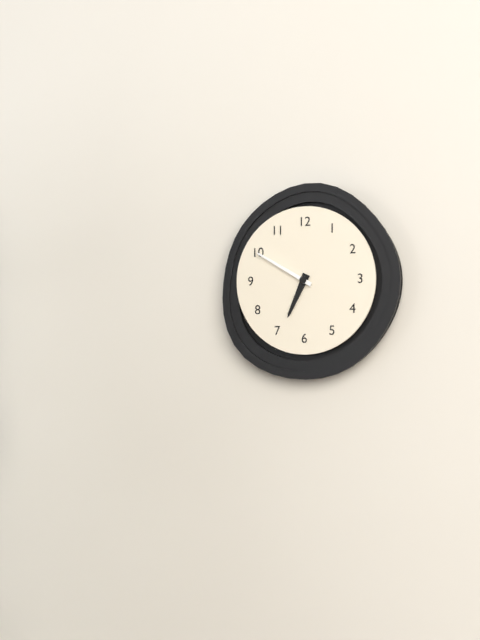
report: 6,50
